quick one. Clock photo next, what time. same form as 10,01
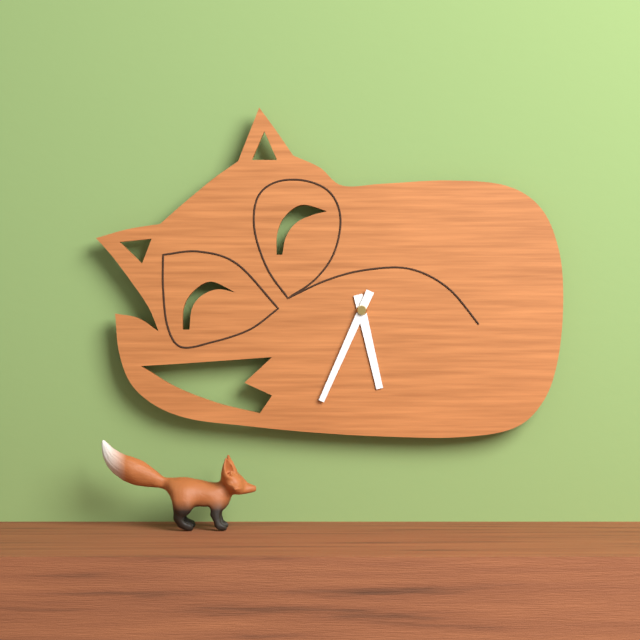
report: 5,34
